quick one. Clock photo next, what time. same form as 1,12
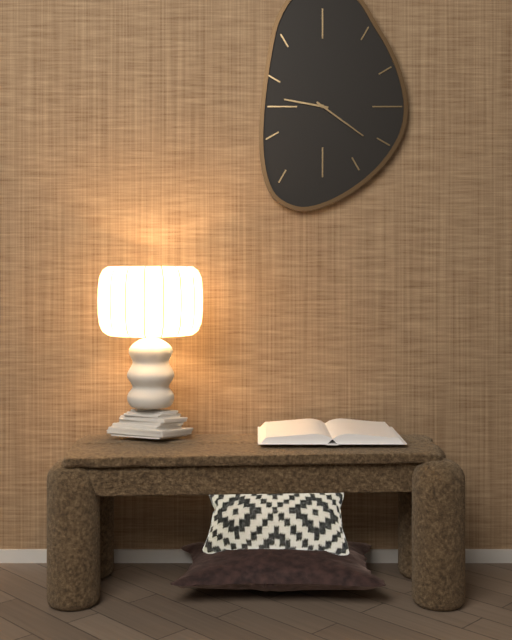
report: 9,21
